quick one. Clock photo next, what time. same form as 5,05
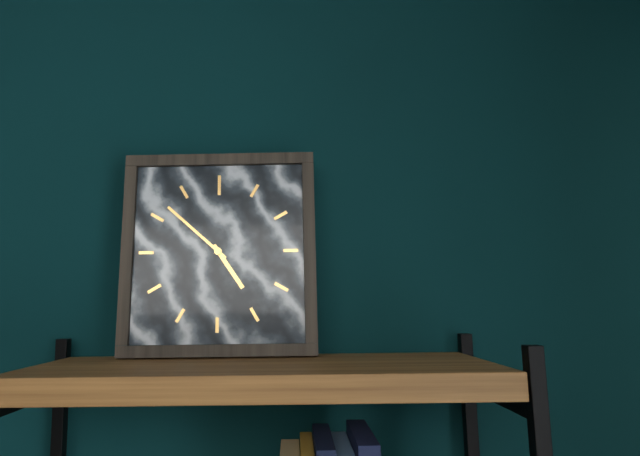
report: 4,52
